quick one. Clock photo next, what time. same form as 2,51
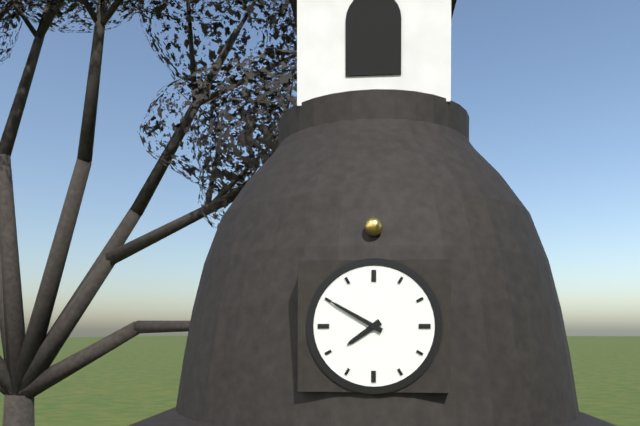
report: 7,50
